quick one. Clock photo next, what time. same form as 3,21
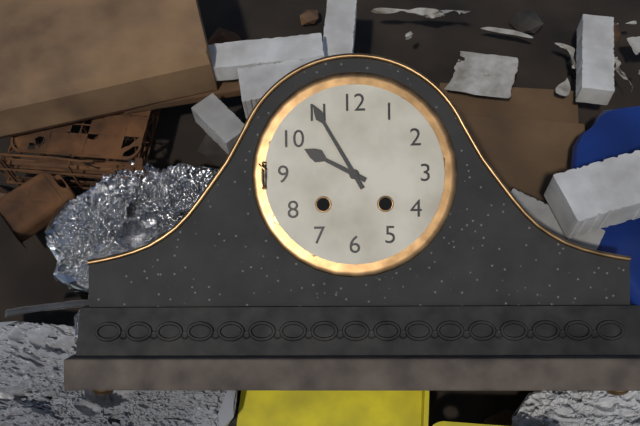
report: 9,55
